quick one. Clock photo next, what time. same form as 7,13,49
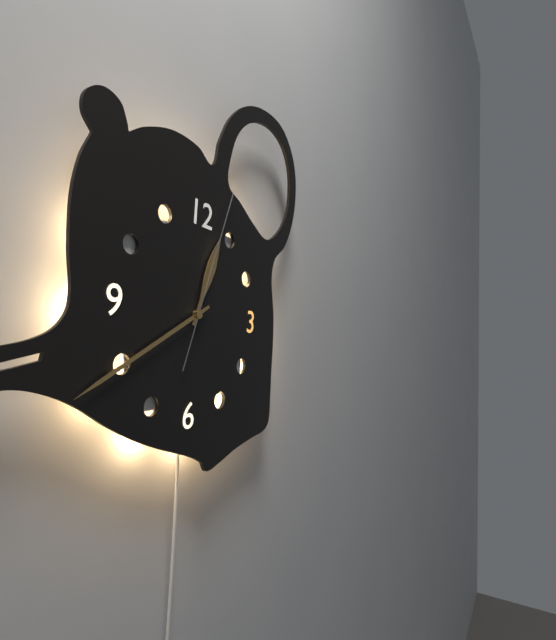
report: 12,40,03
